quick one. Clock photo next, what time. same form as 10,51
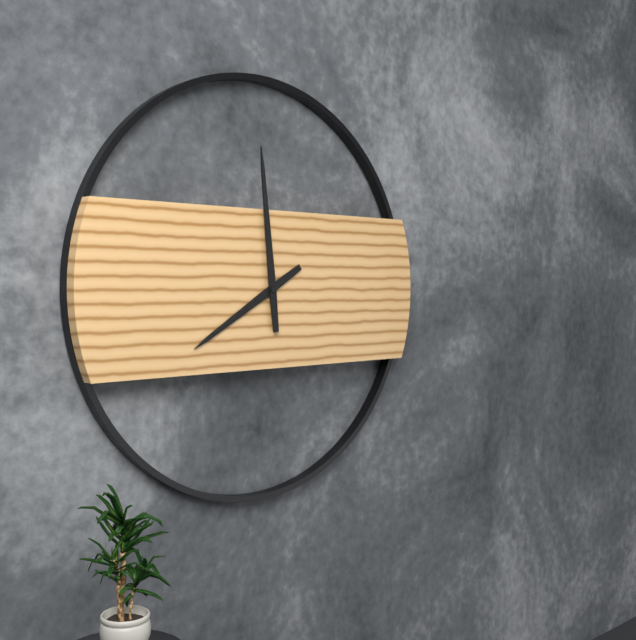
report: 7,59
